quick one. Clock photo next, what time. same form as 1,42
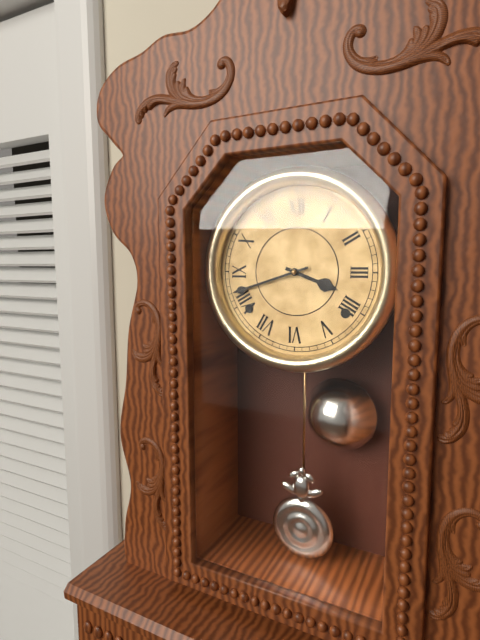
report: 3,42
